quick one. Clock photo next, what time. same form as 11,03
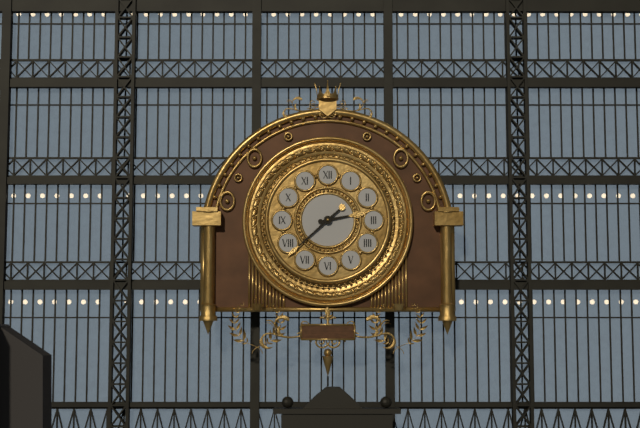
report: 2,38
